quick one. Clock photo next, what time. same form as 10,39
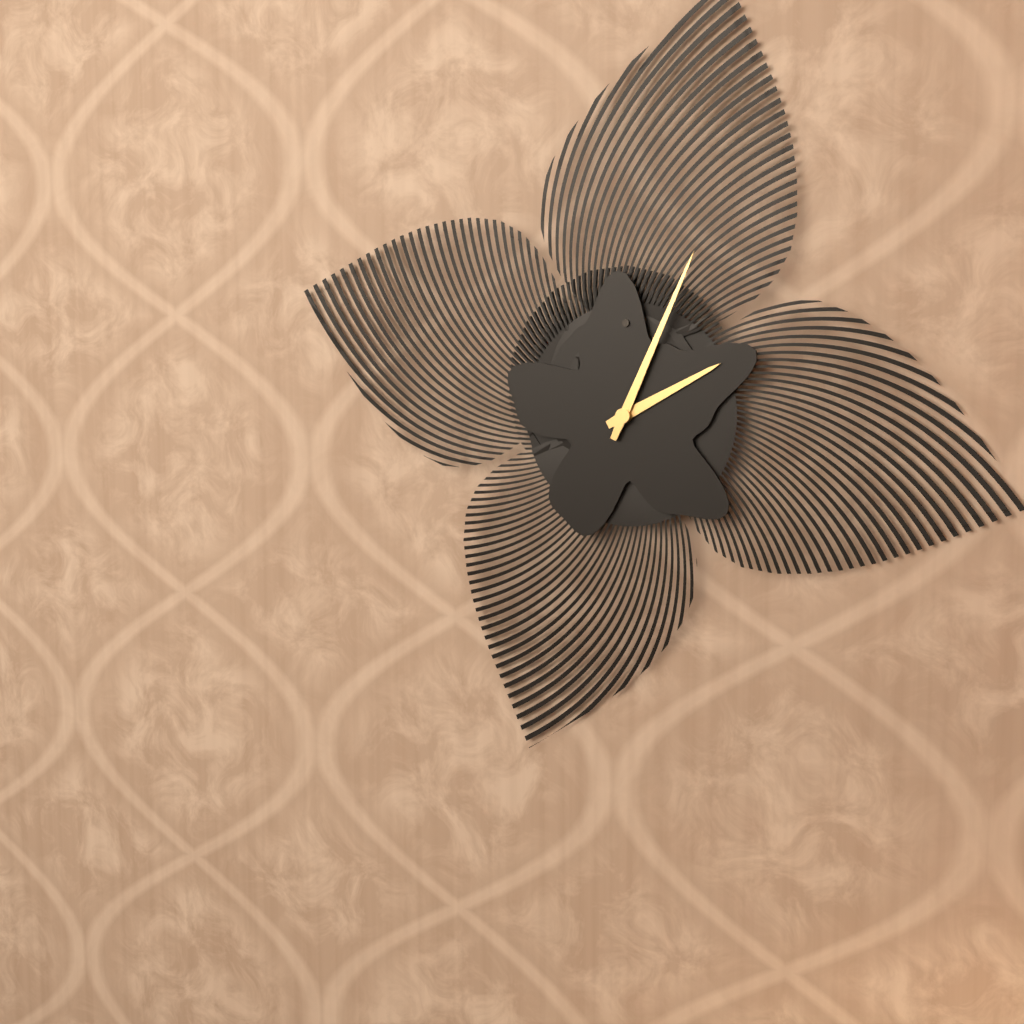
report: 2,04
